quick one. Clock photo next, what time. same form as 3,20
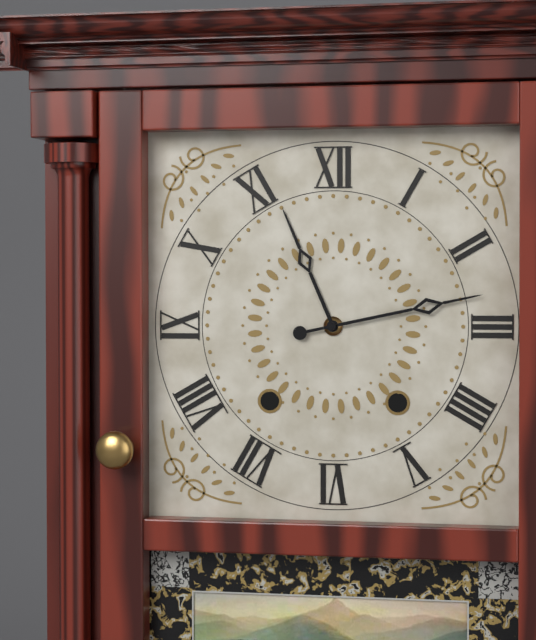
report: 11,13
